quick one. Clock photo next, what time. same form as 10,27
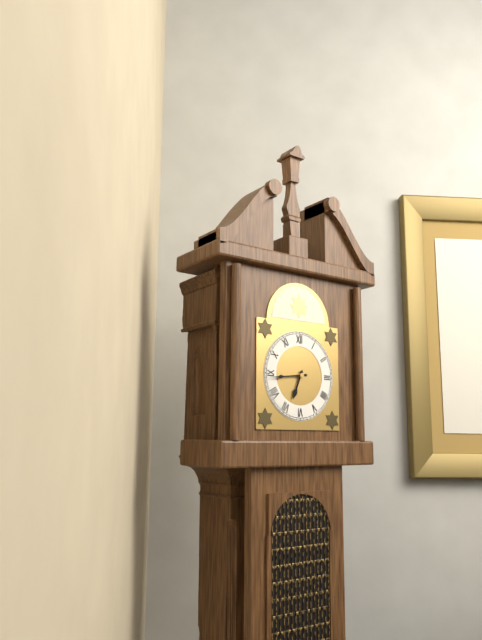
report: 6,44
